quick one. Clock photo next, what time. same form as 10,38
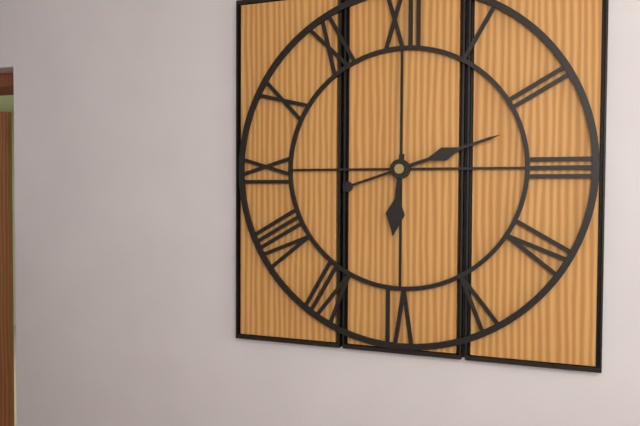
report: 6,12
